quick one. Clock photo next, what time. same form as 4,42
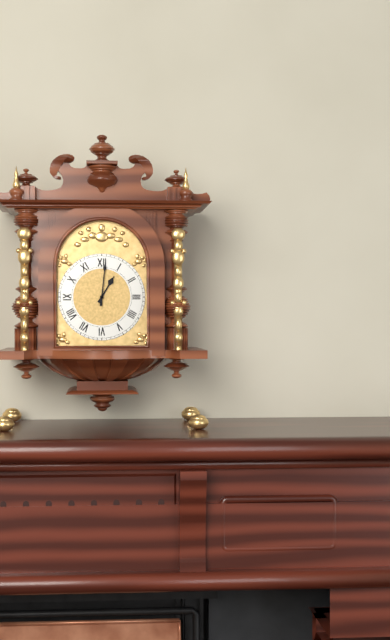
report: 1,01
